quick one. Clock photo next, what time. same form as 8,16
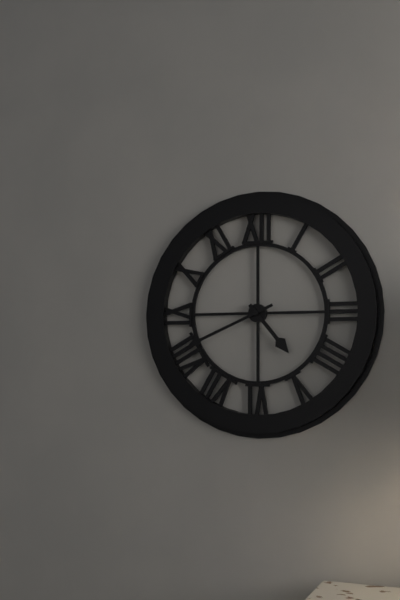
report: 4,41
